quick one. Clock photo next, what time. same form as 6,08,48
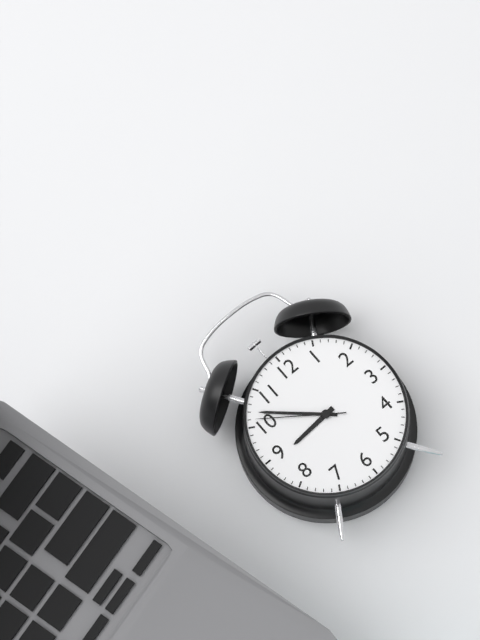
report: 8,52,51
